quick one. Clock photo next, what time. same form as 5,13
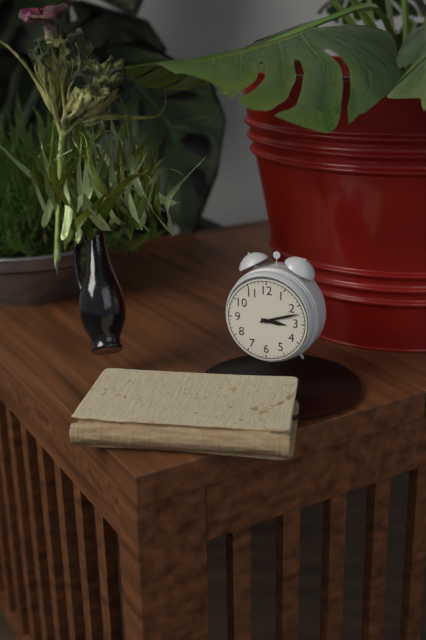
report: 3,12
